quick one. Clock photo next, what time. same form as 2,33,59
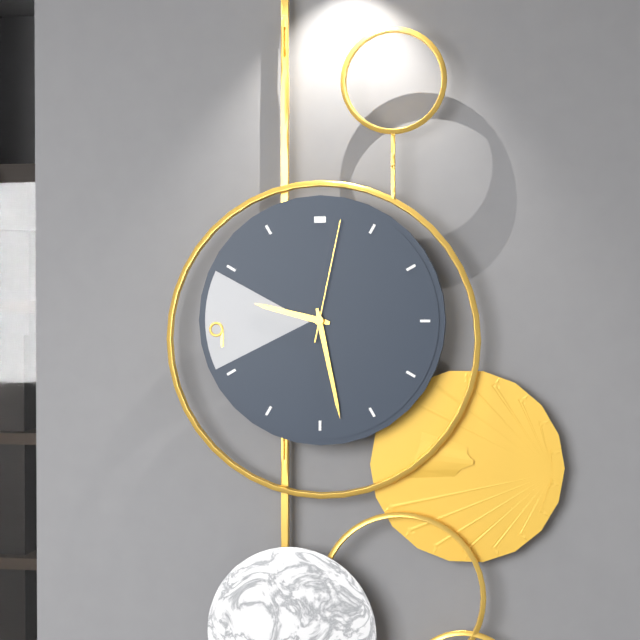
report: 9,28,02
